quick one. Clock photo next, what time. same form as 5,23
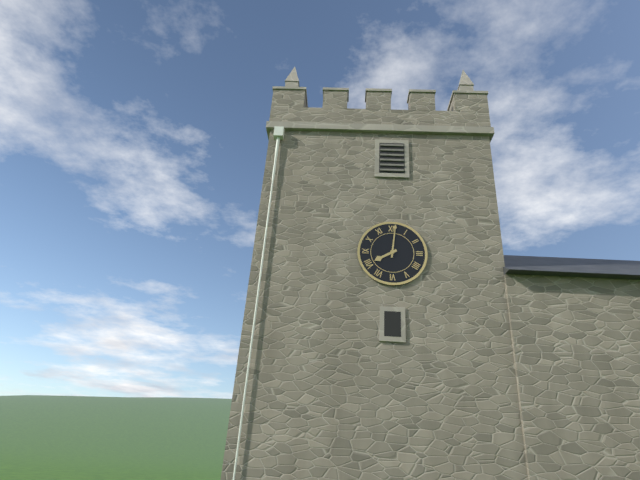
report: 8,01
